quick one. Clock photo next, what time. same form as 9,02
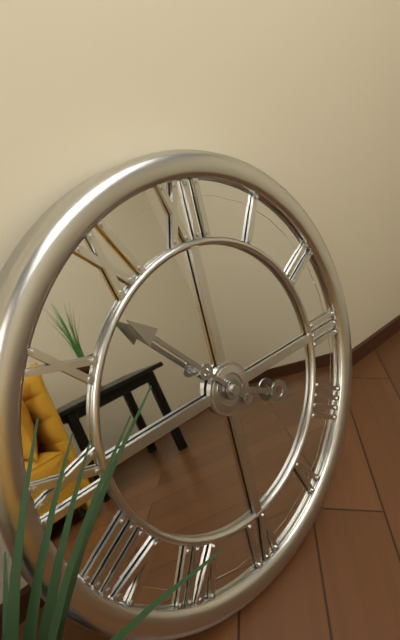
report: 3,53
